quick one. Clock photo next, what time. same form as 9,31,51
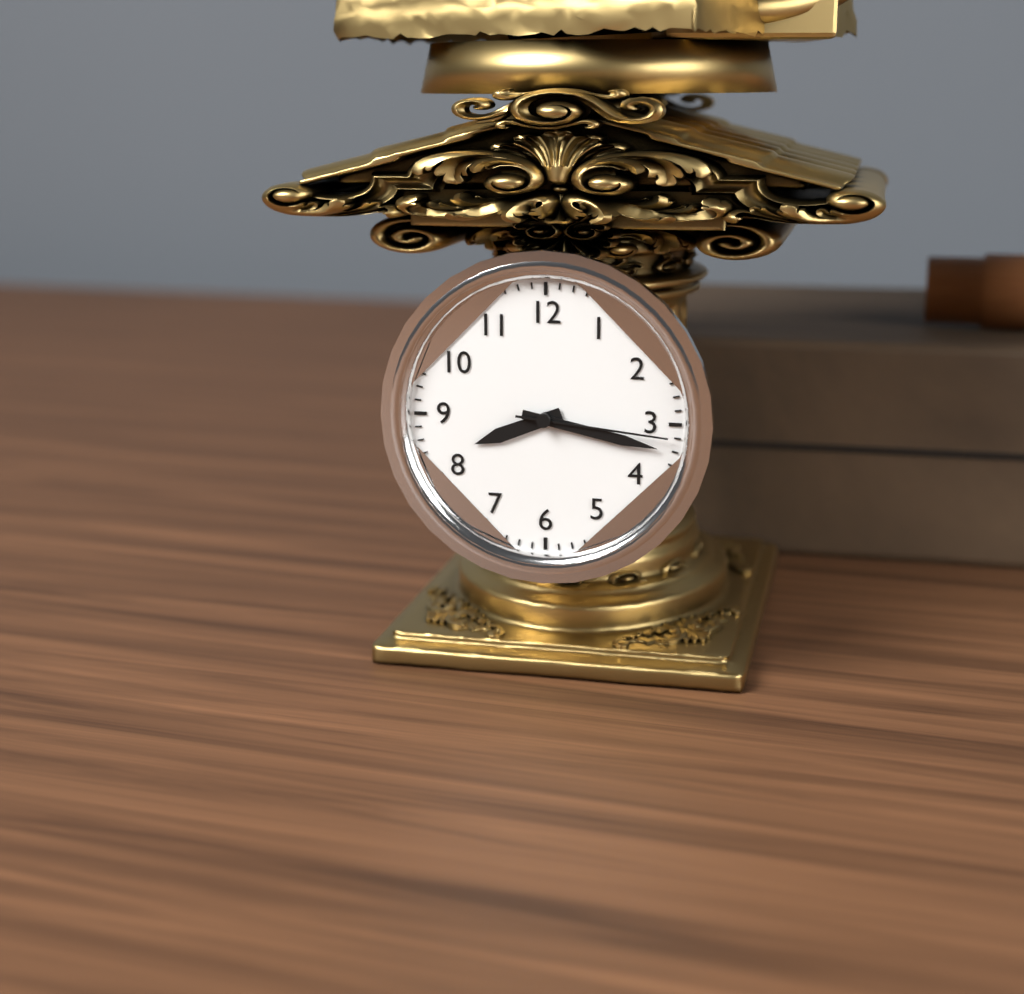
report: 8,17,16
